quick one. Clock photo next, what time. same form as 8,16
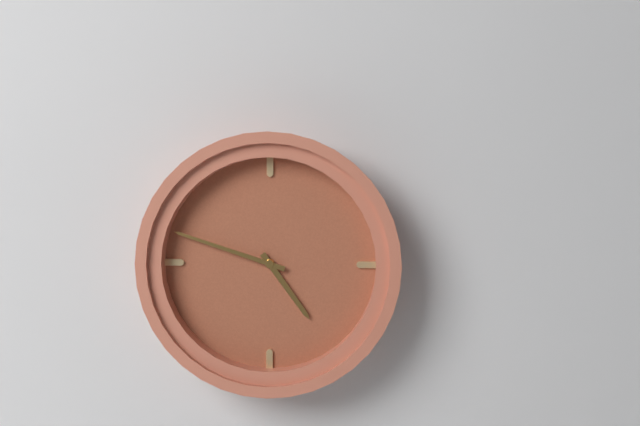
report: 4,48
